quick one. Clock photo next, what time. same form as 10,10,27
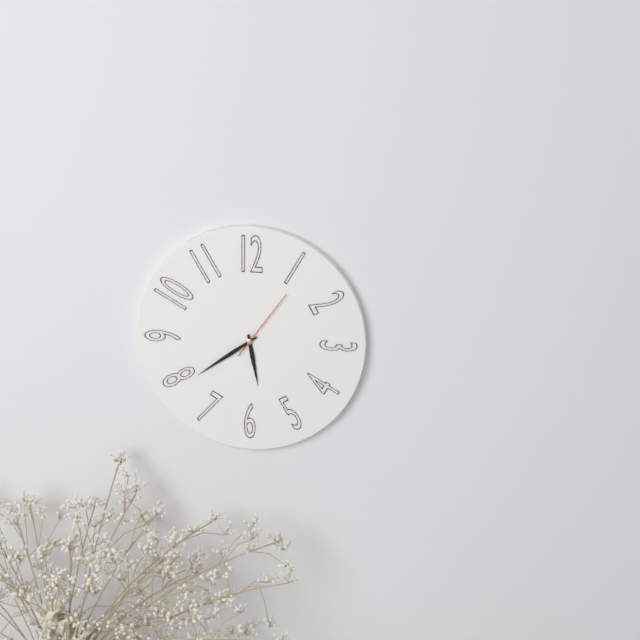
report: 5,39,06
